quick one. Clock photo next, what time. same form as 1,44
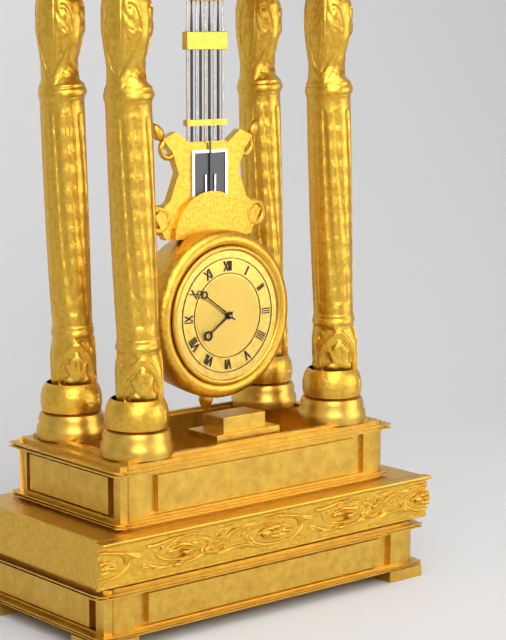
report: 7,51
